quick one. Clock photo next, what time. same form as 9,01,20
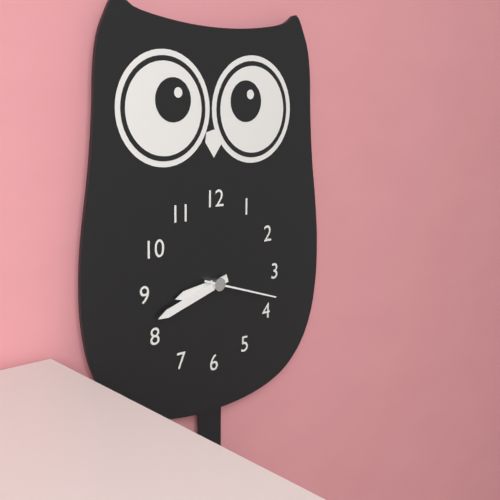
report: 8,42,18
